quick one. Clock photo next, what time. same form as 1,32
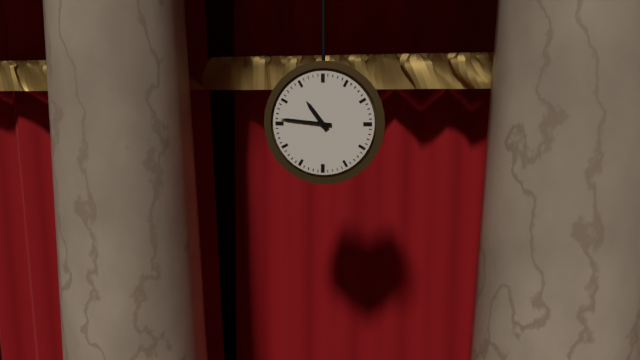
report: 10,46
